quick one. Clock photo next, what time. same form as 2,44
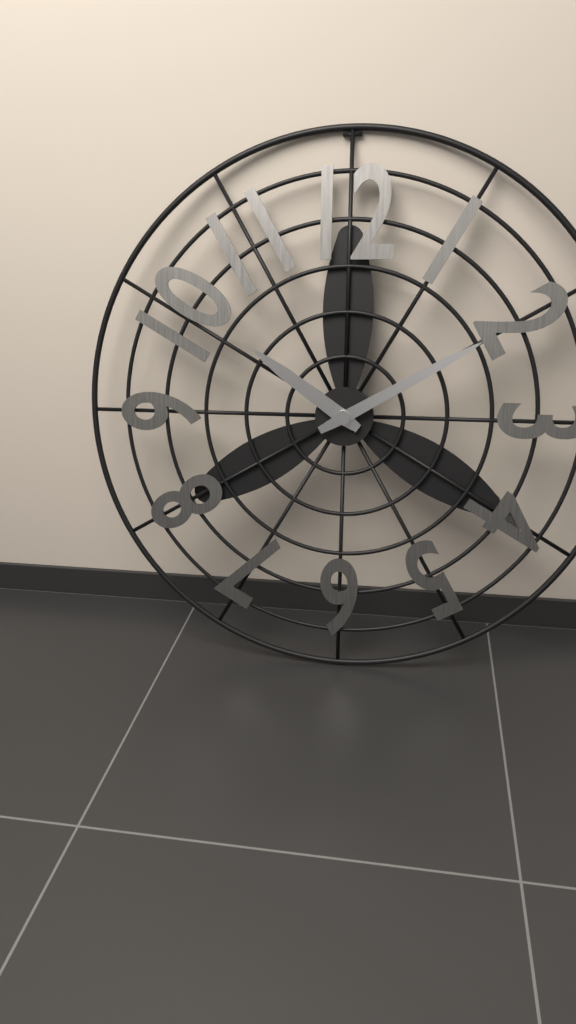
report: 10,10
